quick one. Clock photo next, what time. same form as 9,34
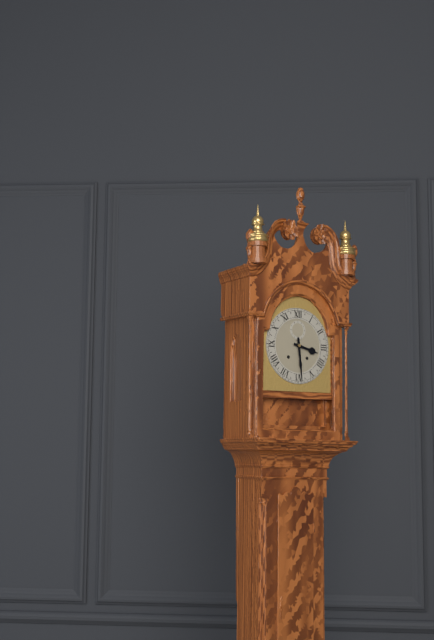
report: 3,29
